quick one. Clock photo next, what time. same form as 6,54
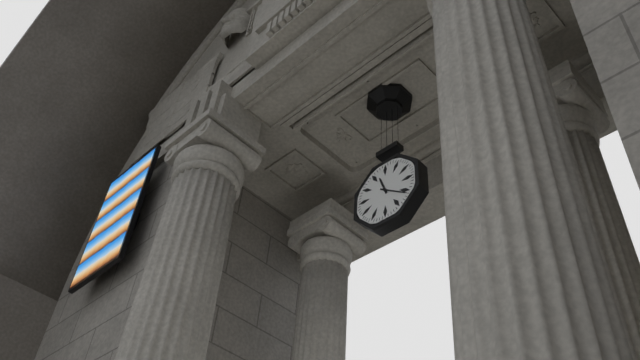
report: 11,21
